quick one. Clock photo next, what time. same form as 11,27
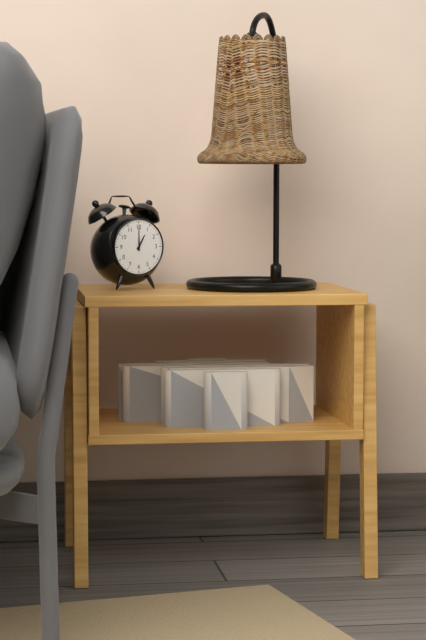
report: 1,00
